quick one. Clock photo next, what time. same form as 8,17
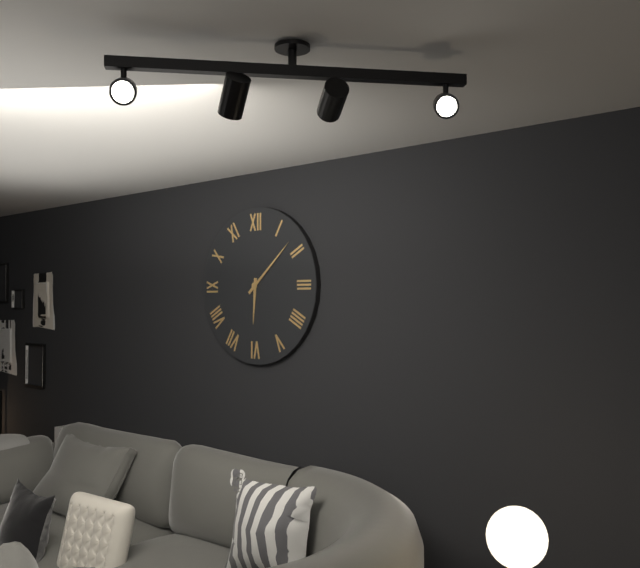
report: 6,08
